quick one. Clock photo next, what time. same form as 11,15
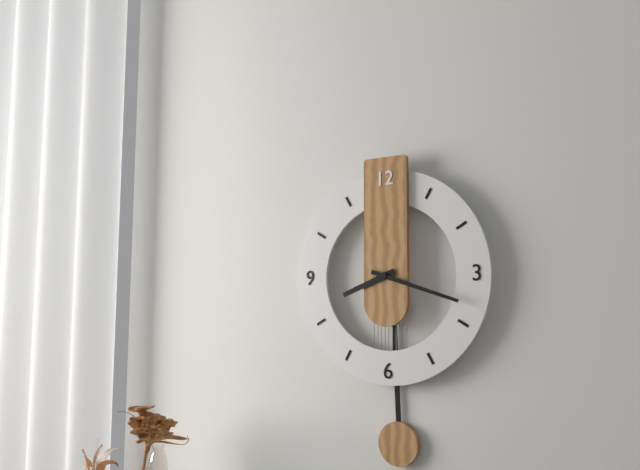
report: 8,18
